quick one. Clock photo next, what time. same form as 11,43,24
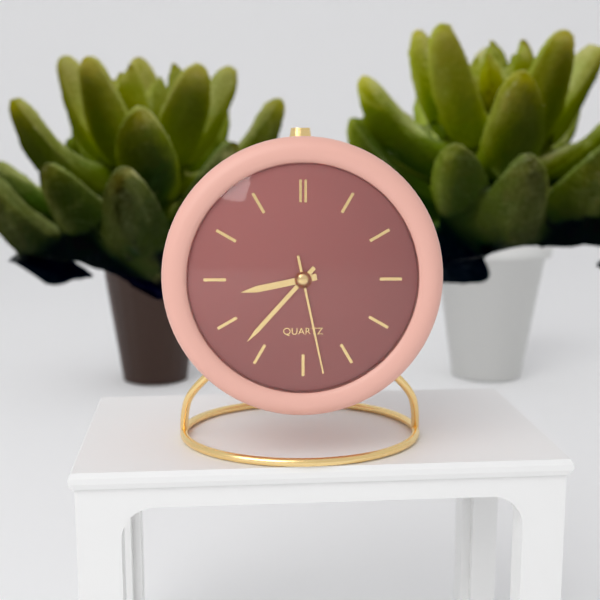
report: 8,37,28
